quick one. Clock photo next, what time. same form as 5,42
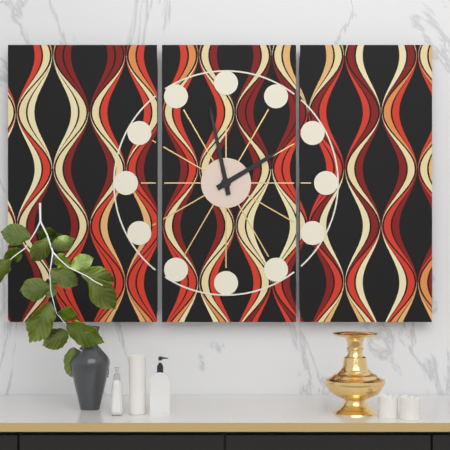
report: 1,58
